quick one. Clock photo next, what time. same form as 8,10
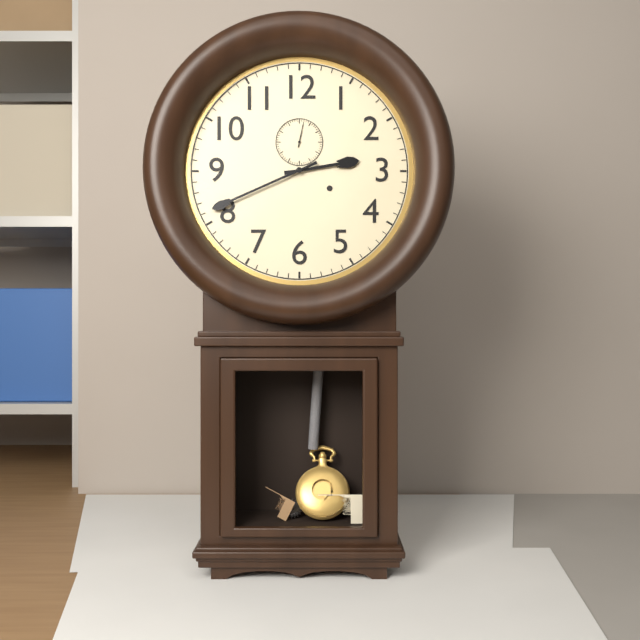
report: 2,41
